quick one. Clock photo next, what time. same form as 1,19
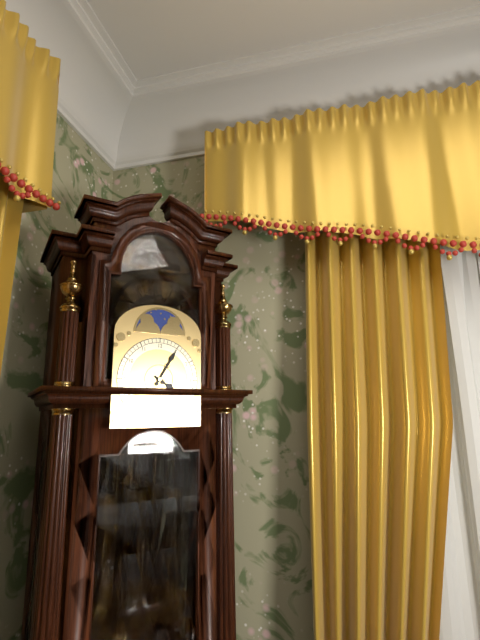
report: 4,05
